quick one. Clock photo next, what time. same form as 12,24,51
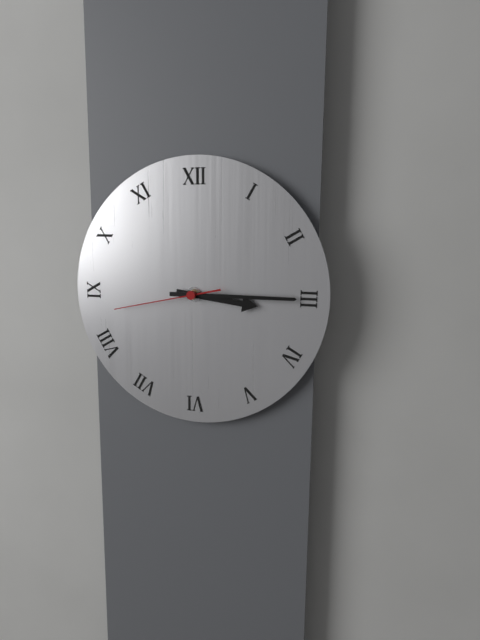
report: 3,15,43
